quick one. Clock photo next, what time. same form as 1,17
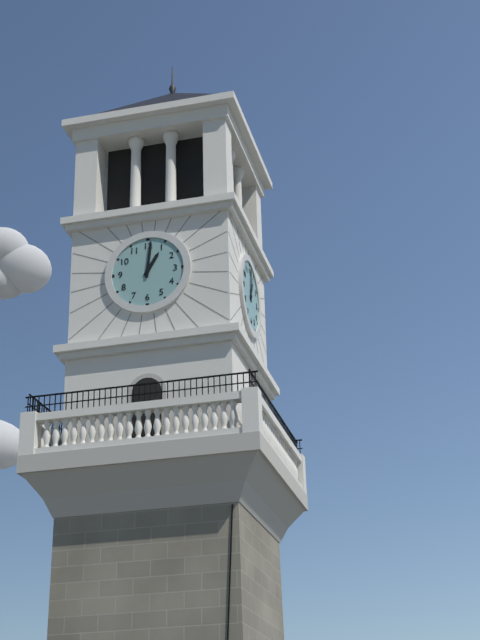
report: 1,01
